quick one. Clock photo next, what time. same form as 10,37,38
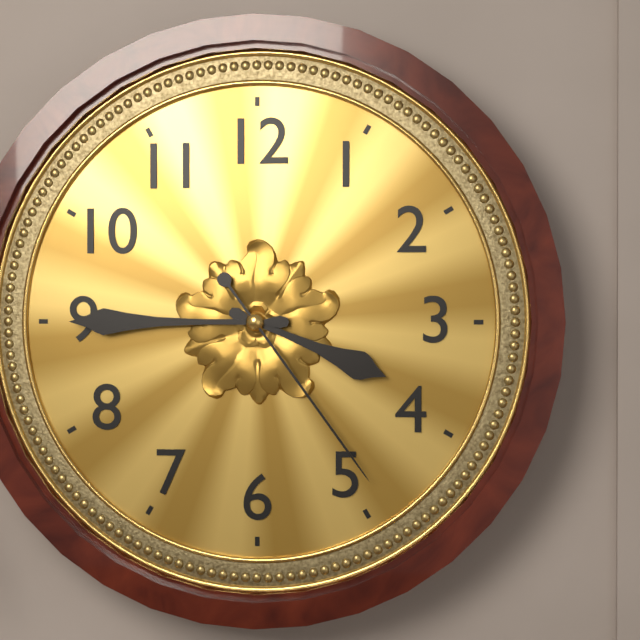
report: 3,45,24
